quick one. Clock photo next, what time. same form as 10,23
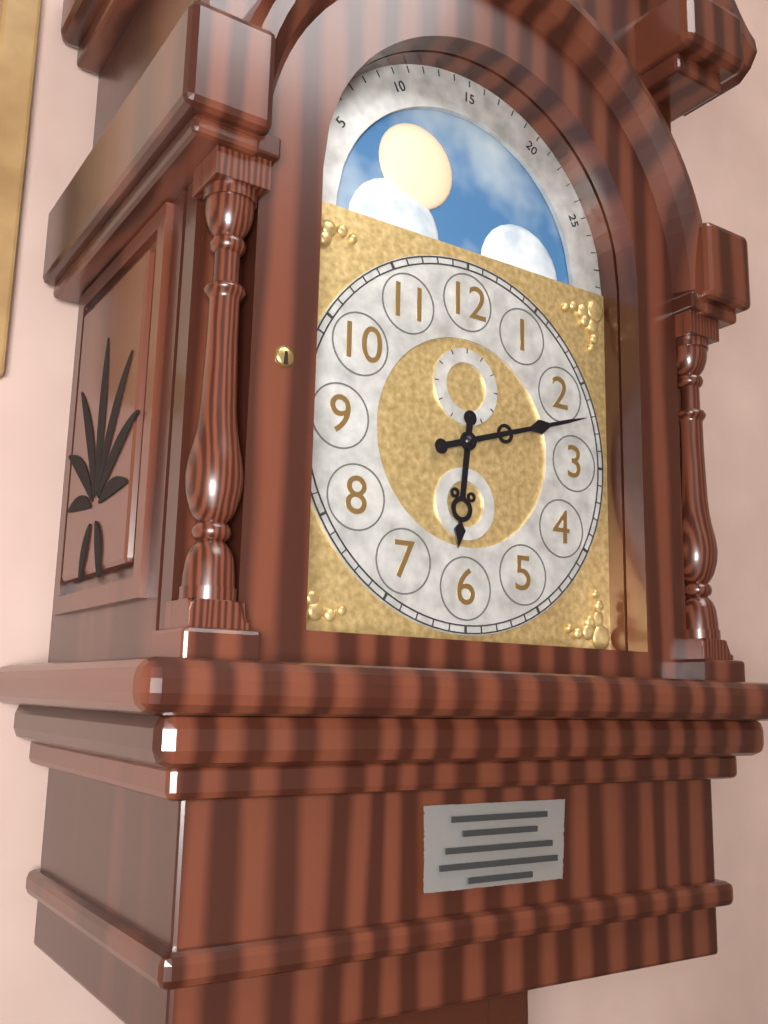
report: 6,12
